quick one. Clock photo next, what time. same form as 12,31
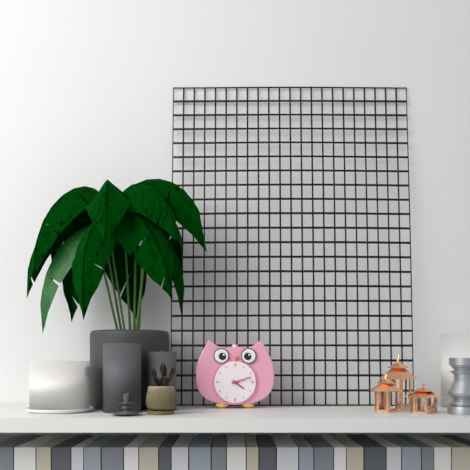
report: 4,12
